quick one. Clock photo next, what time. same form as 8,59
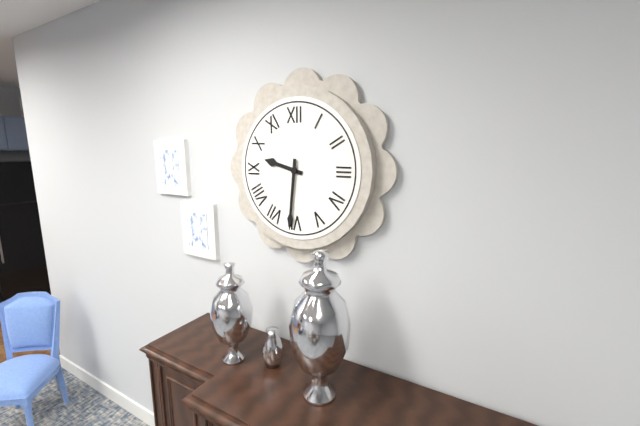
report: 9,31
